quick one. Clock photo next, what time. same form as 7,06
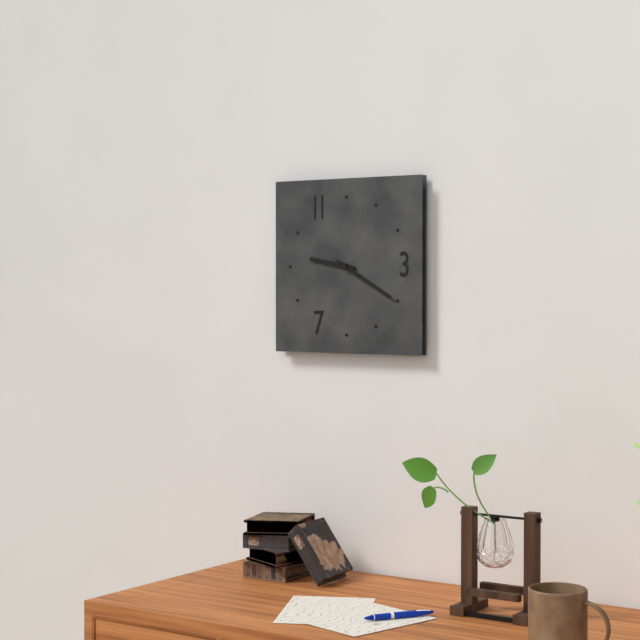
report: 9,20
